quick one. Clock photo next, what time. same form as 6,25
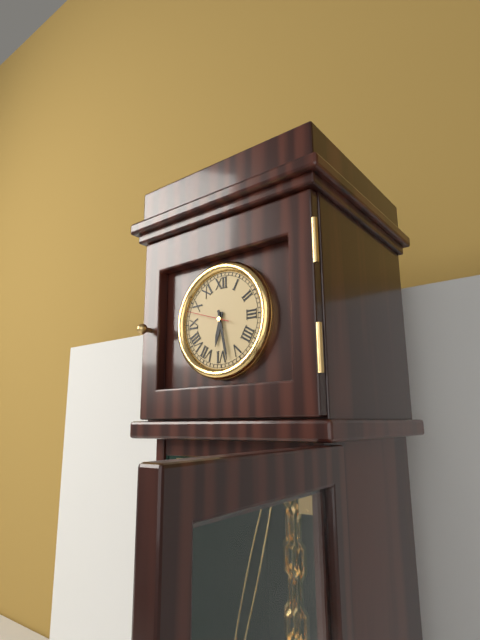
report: 6,28
